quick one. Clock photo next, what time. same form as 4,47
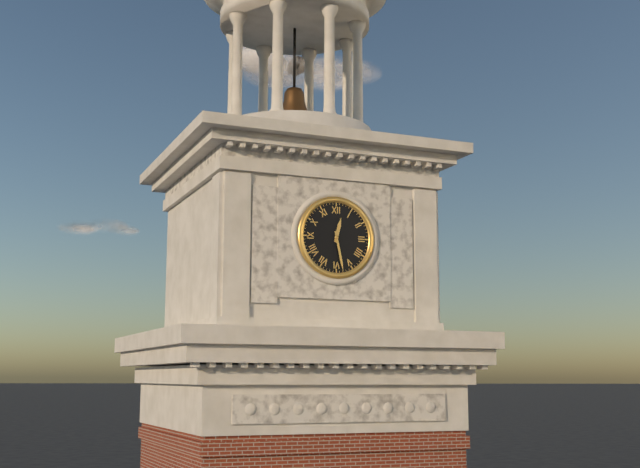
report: 12,28
